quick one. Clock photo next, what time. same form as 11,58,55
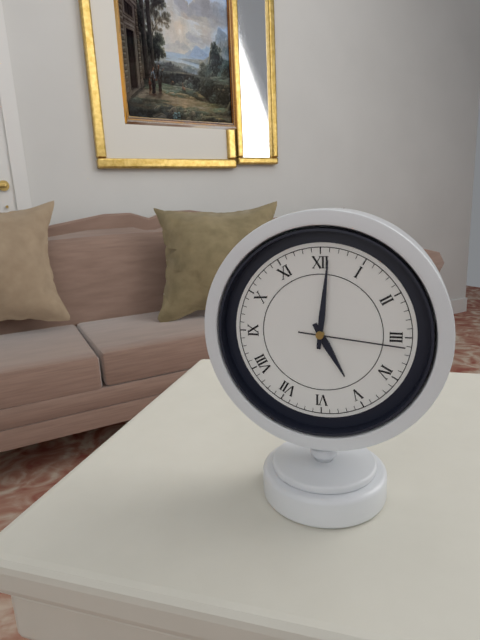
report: 5,01,16
